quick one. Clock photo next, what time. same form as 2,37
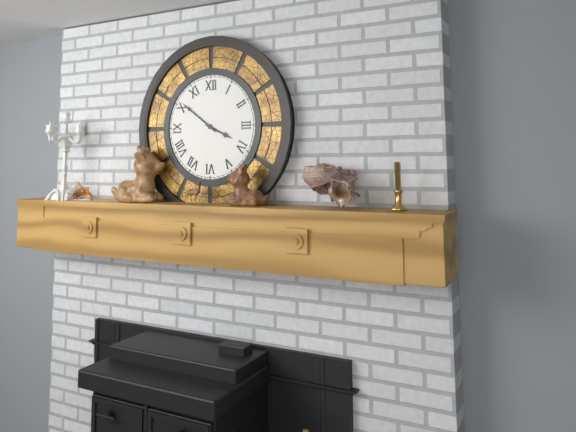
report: 3,51
